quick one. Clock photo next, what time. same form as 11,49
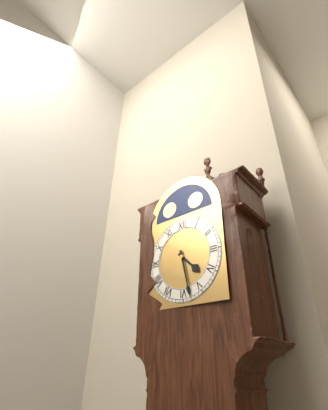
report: 4,28
